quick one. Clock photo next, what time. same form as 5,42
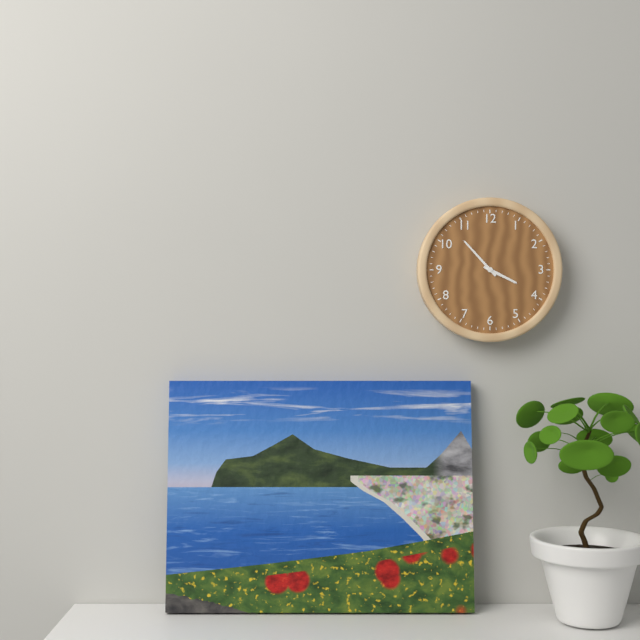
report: 3,53
